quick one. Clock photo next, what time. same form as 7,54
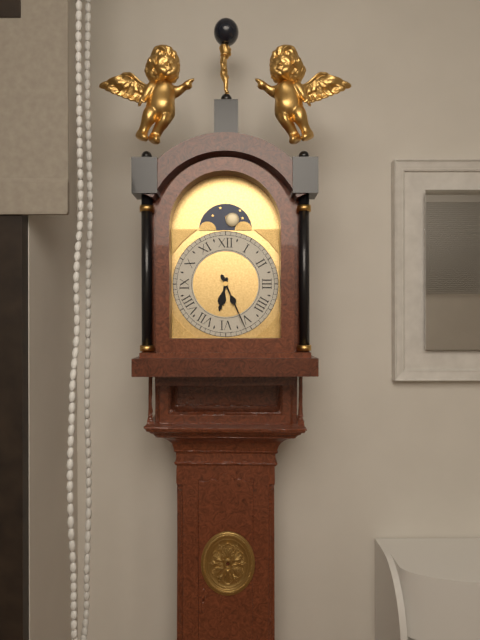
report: 6,26
